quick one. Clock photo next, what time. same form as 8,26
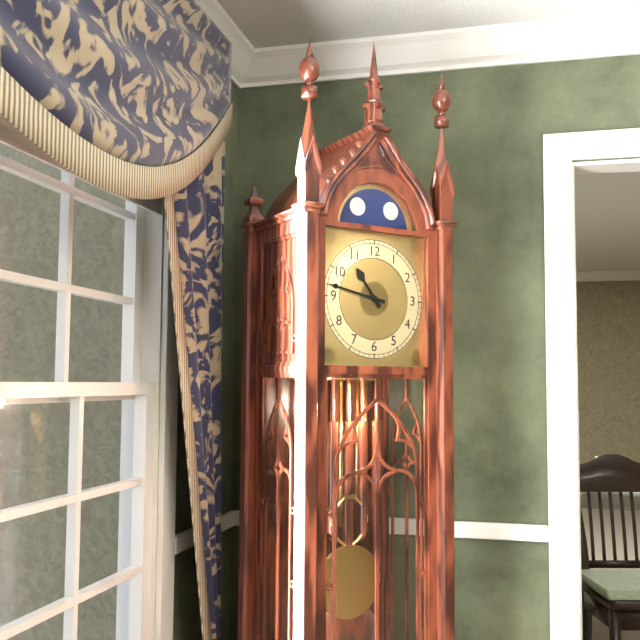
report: 10,47
